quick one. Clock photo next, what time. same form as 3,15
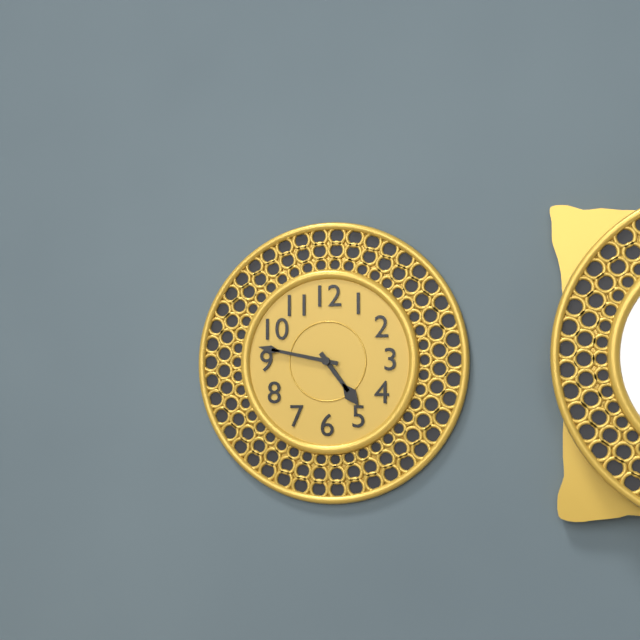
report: 4,47
